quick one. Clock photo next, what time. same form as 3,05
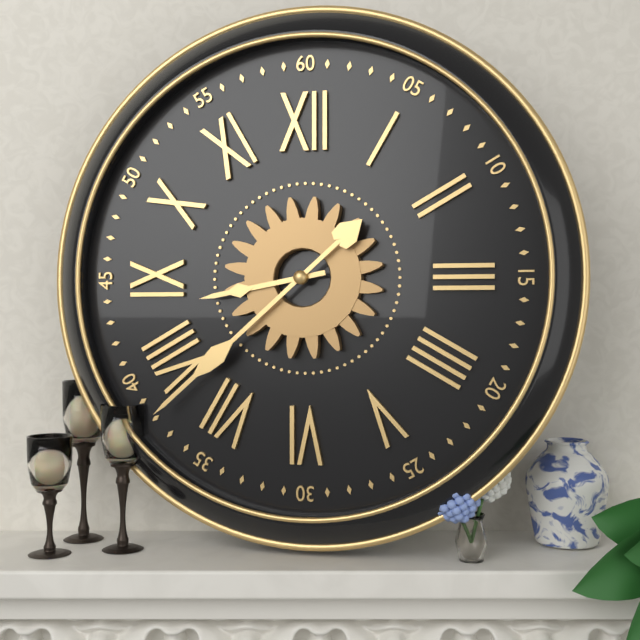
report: 8,38
